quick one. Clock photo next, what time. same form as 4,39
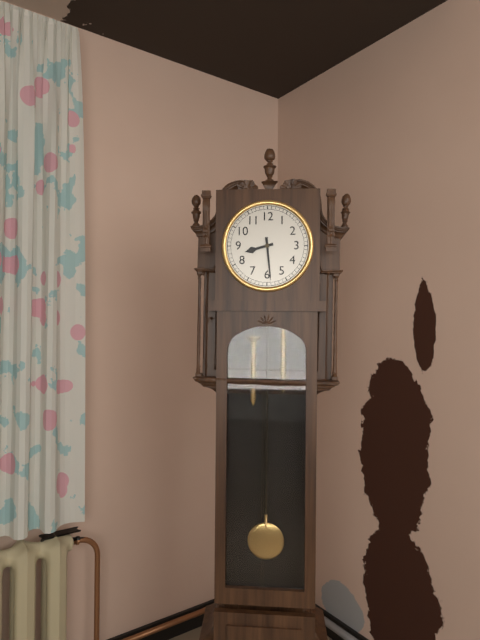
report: 8,29
